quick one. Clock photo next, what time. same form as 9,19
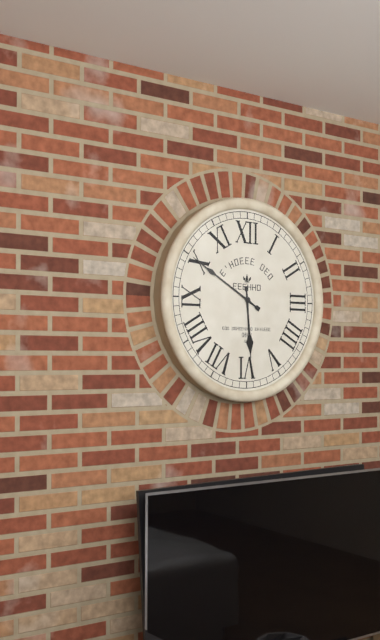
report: 5,50
